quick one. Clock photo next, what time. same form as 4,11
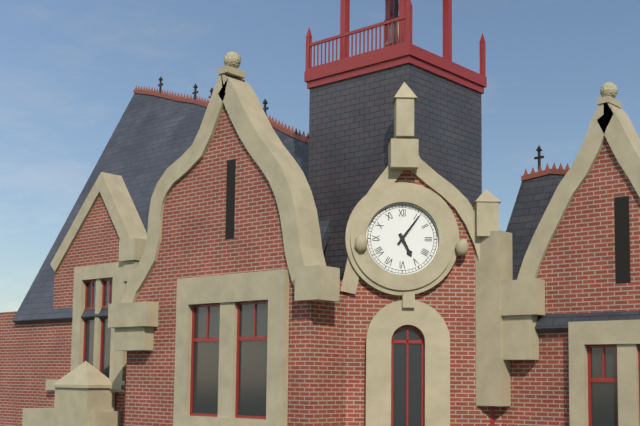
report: 5,06
